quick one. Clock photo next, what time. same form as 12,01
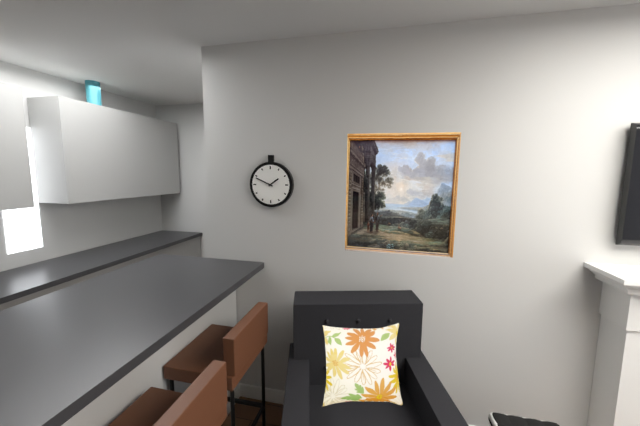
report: 1,49
